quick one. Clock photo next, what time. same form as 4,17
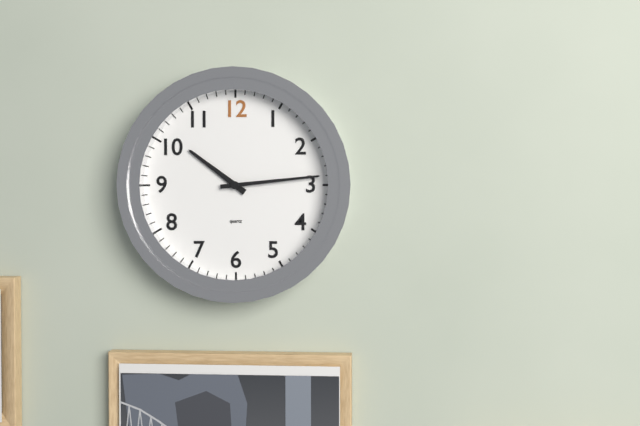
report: 10,14
